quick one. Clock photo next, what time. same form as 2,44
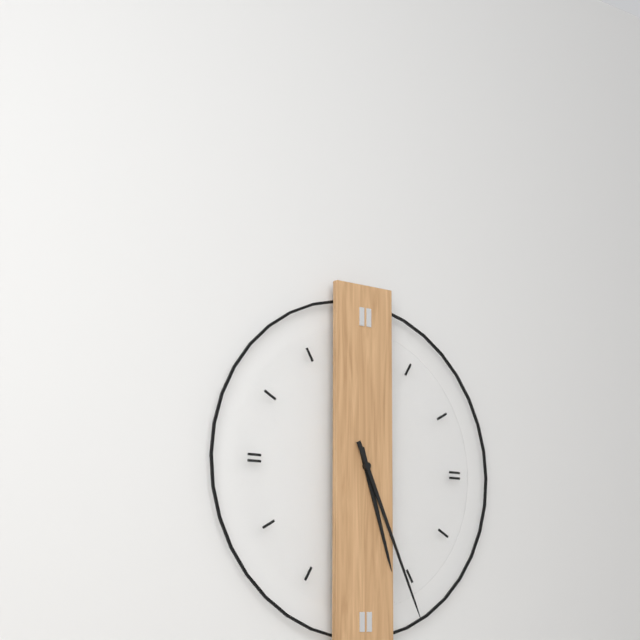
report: 5,26
